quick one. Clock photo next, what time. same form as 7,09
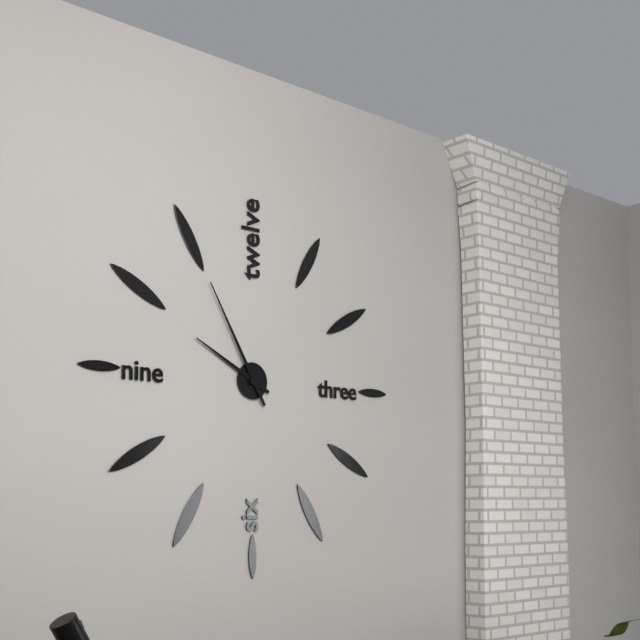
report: 9,55
